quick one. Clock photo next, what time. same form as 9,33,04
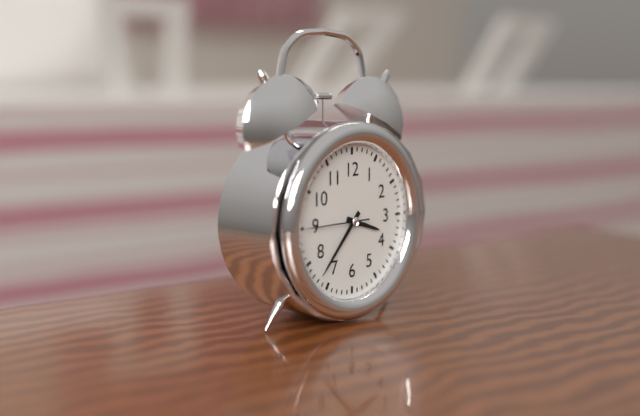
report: 3,37,45
